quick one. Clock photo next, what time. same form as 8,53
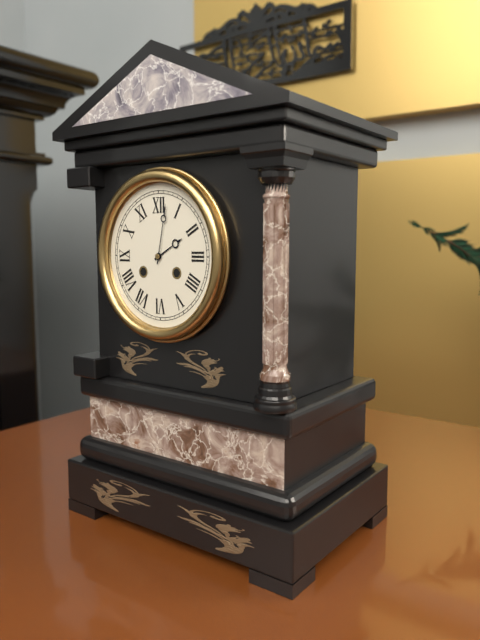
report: 2,02
